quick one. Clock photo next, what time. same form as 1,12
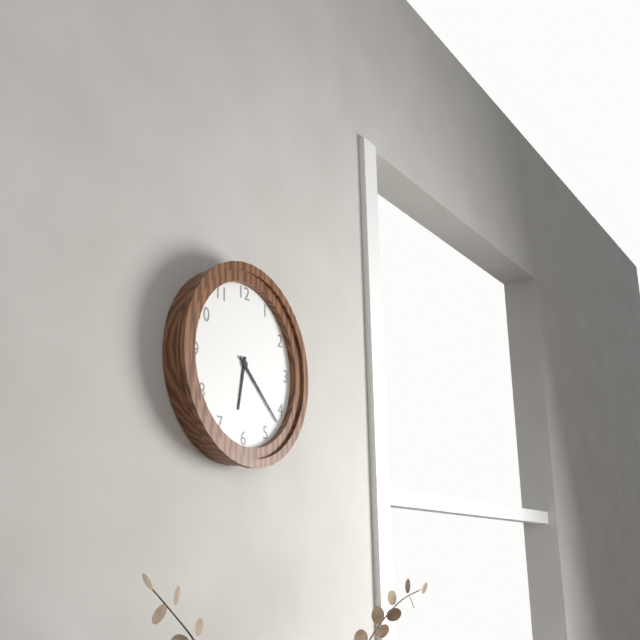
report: 6,22
